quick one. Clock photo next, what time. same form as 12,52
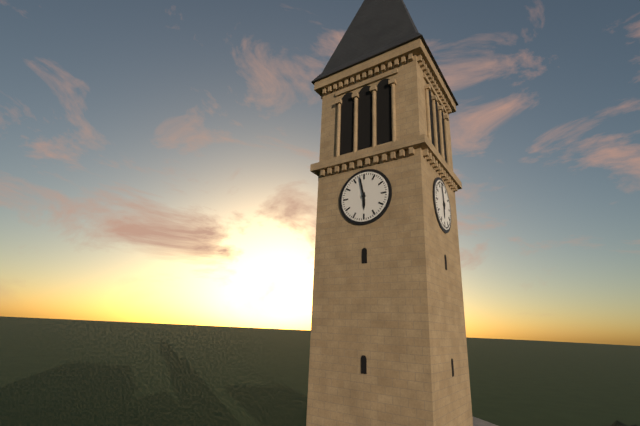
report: 5,58
